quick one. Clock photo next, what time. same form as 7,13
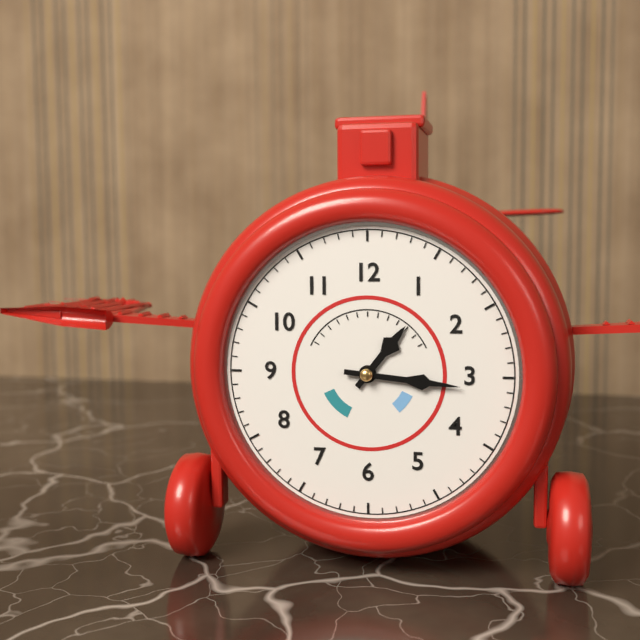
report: 1,16
